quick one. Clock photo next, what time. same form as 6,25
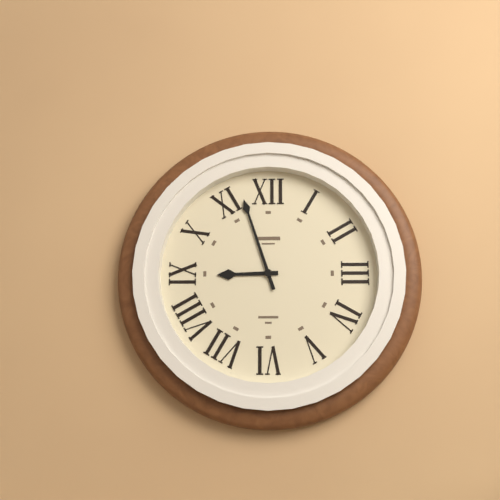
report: 8,57
